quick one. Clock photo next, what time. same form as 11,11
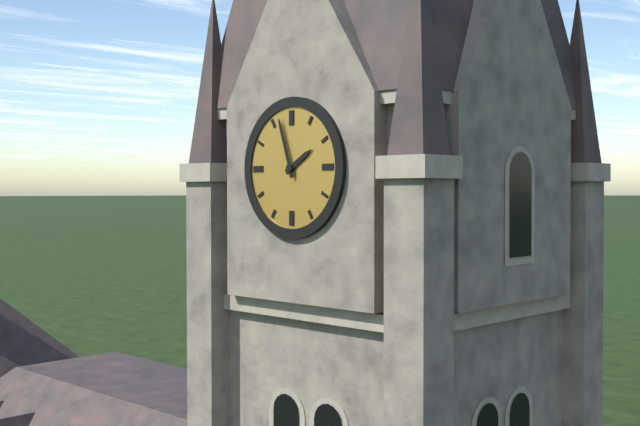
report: 1,57
